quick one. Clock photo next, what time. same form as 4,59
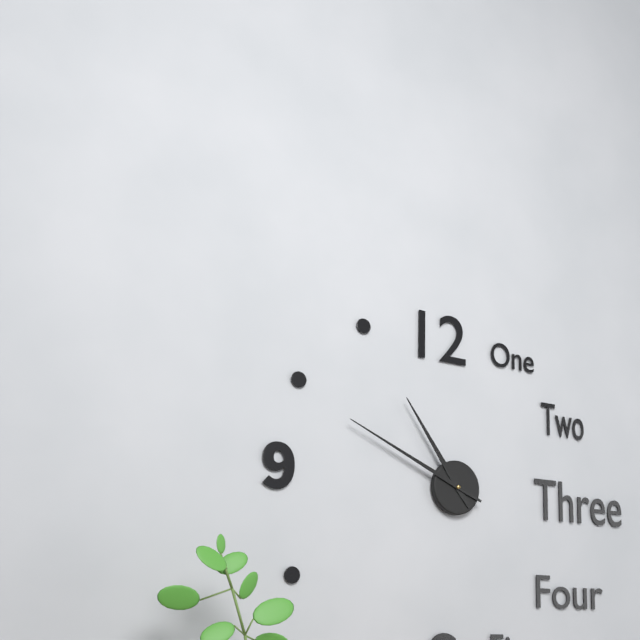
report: 10,49
